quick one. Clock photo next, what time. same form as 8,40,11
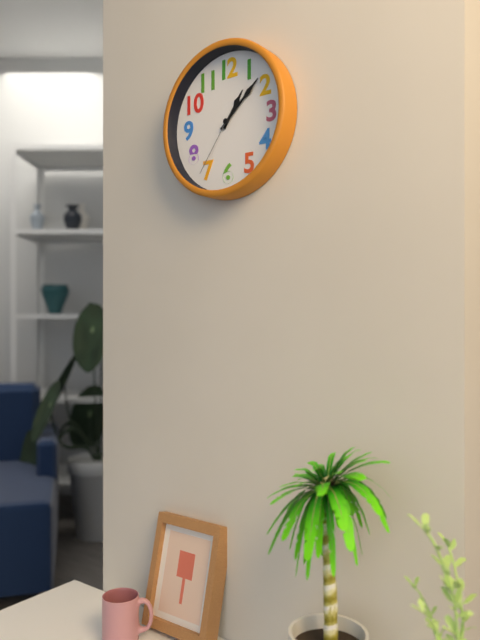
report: 1,08,36
